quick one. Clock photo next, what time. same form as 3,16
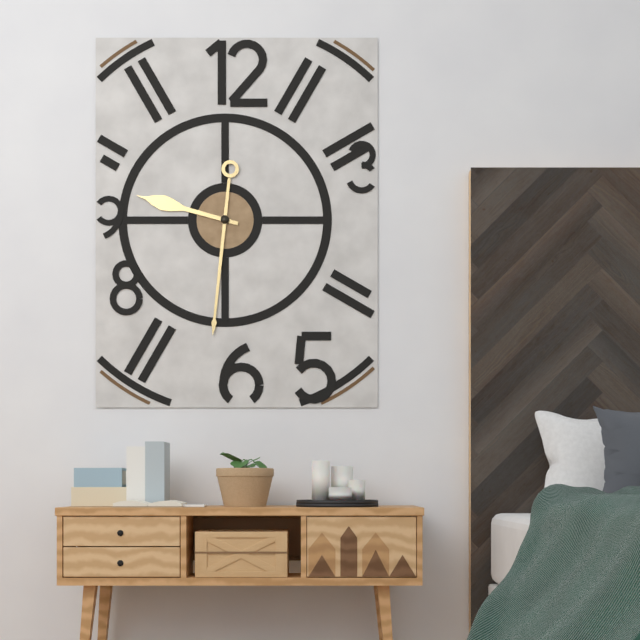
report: 9,31
